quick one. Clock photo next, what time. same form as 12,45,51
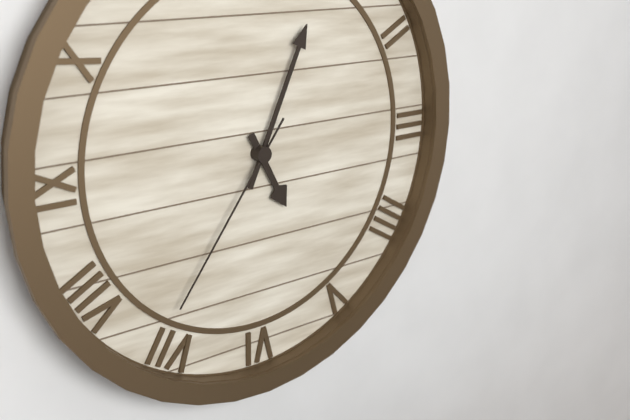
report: 5,04,36
